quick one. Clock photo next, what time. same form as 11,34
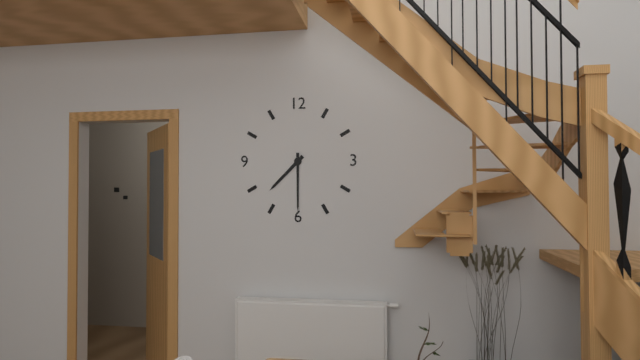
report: 7,30
